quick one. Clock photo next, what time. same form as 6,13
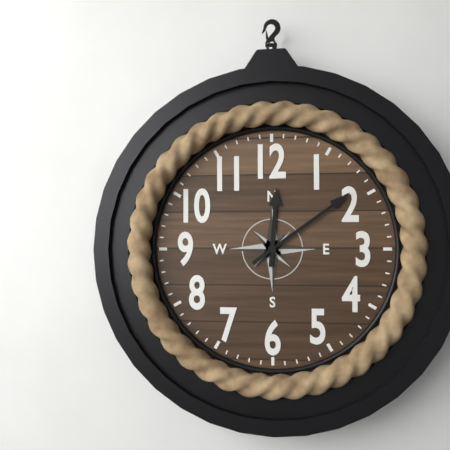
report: 12,09
